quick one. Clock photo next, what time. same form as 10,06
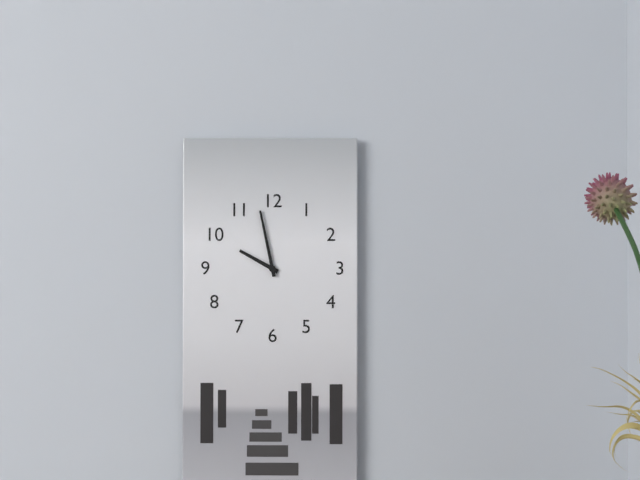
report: 9,58
